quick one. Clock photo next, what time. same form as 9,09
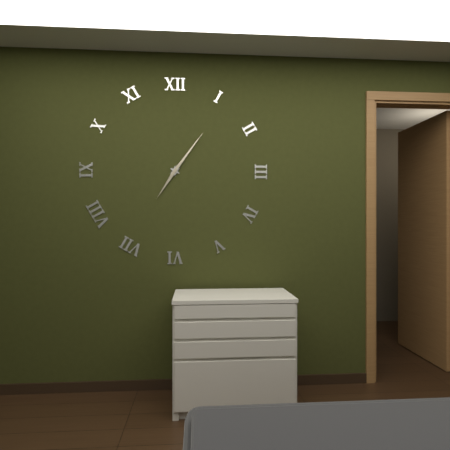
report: 7,06
